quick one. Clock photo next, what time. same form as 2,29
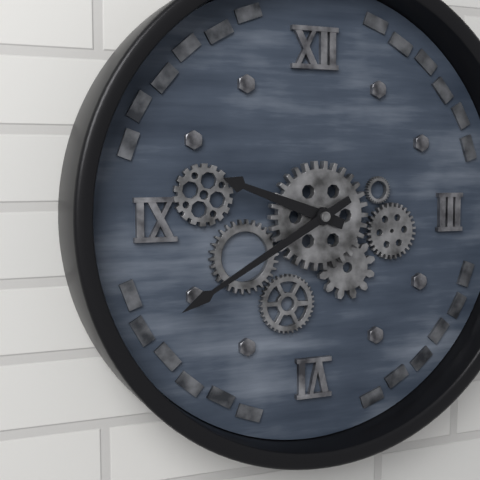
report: 9,40
